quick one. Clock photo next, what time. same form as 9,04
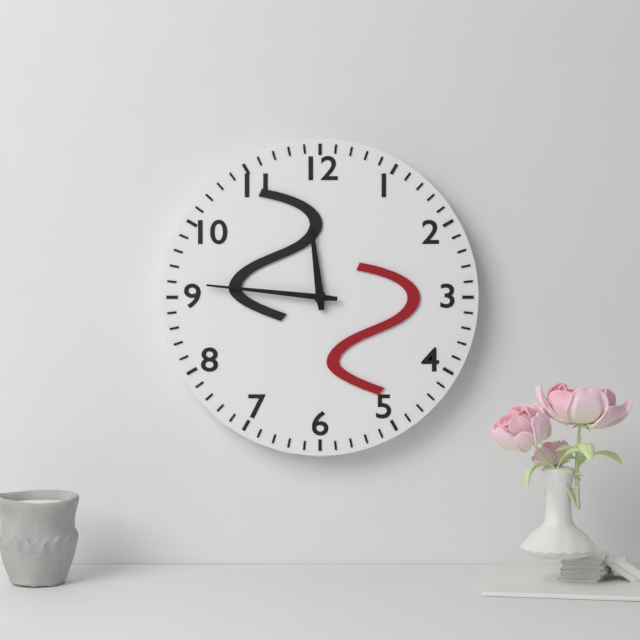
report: 11,46
